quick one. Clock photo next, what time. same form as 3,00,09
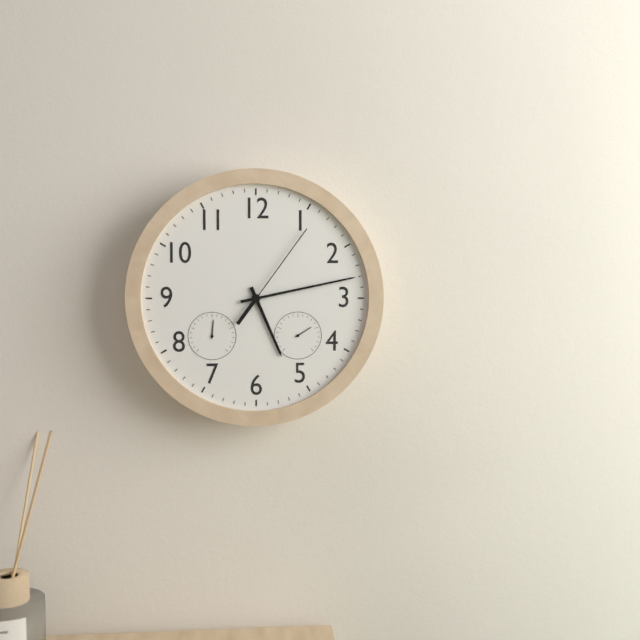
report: 5,13,06
